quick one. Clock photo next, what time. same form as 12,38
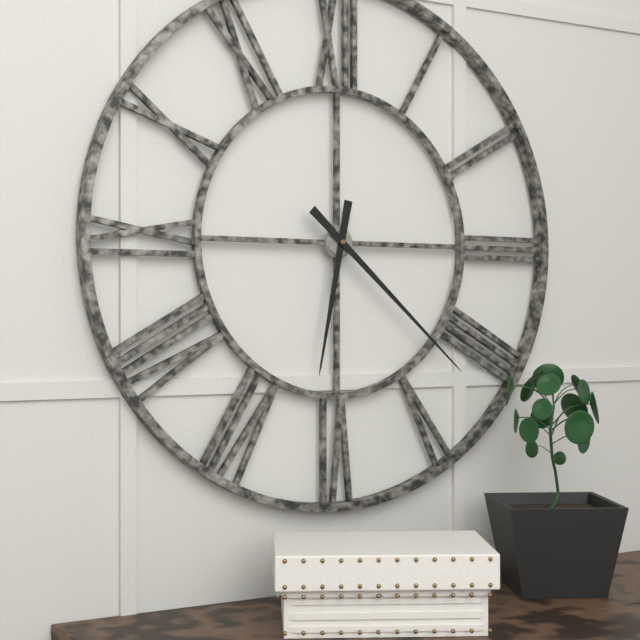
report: 6,22
